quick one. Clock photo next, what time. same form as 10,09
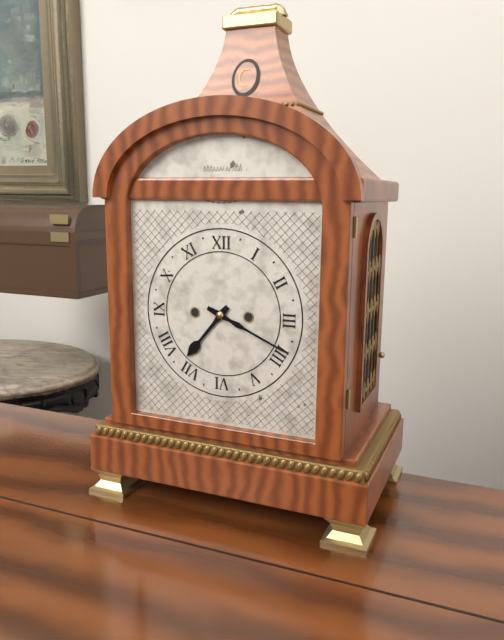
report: 7,19
